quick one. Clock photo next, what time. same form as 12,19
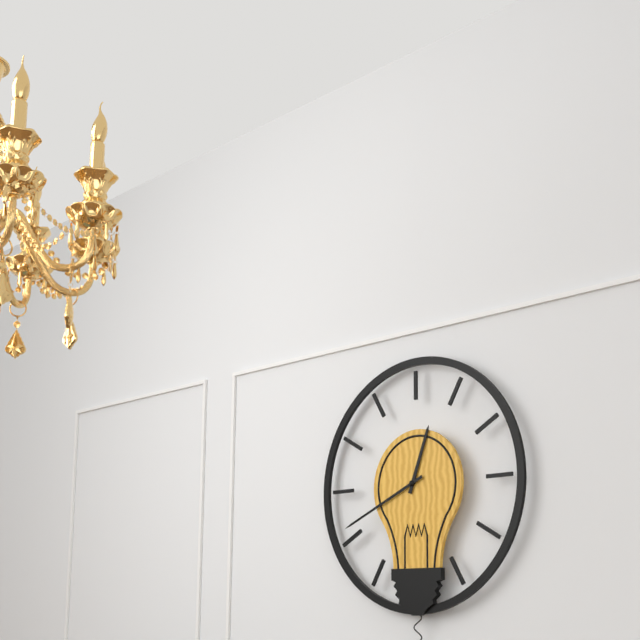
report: 12,41
